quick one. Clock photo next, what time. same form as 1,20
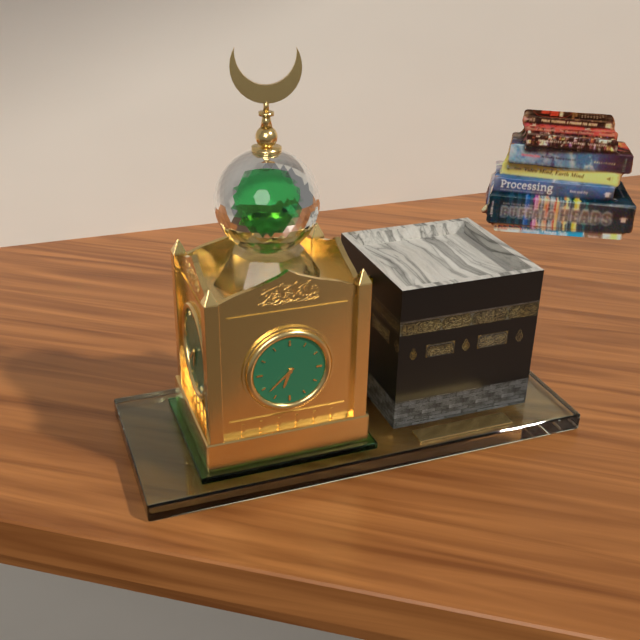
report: 6,38
